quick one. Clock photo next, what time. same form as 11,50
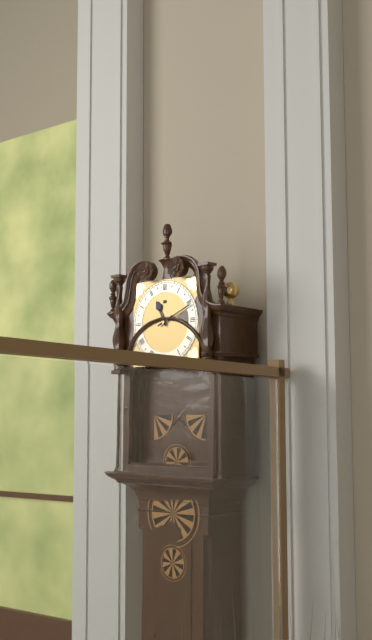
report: 11,11
